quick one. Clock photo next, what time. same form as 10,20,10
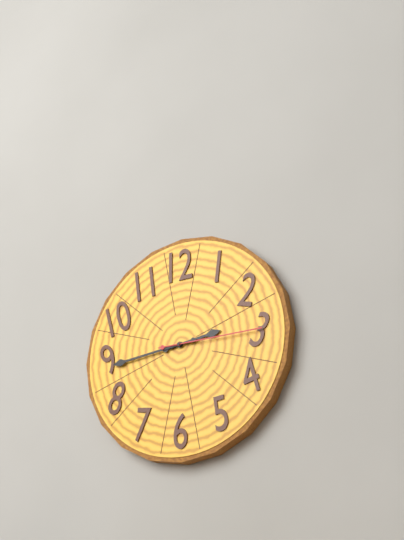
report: 2,44,15
